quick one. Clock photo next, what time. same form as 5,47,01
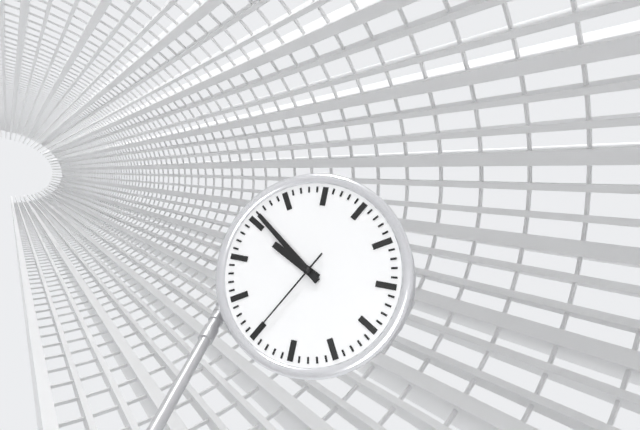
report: 9,51,35
